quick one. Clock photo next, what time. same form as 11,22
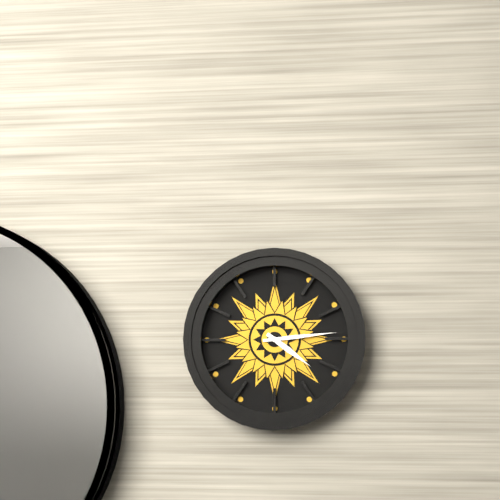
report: 4,14
